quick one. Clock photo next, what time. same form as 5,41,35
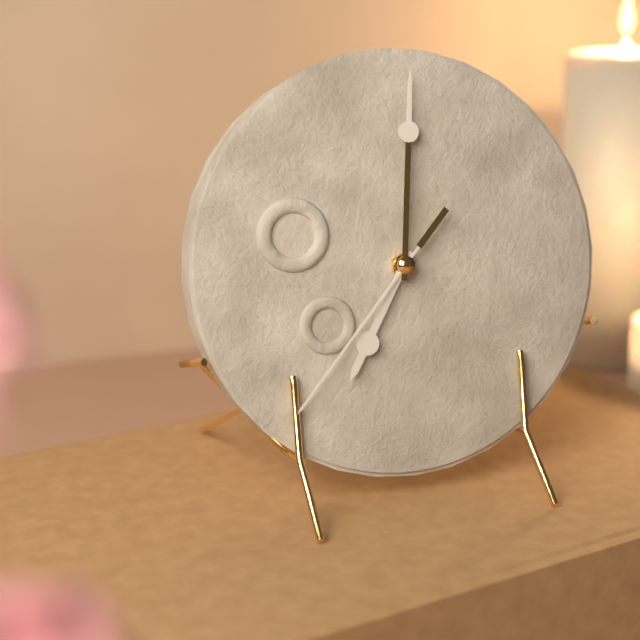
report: 7,01,37
